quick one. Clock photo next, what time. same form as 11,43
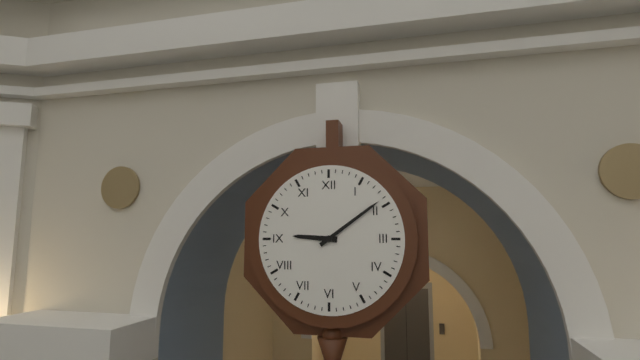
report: 9,09
